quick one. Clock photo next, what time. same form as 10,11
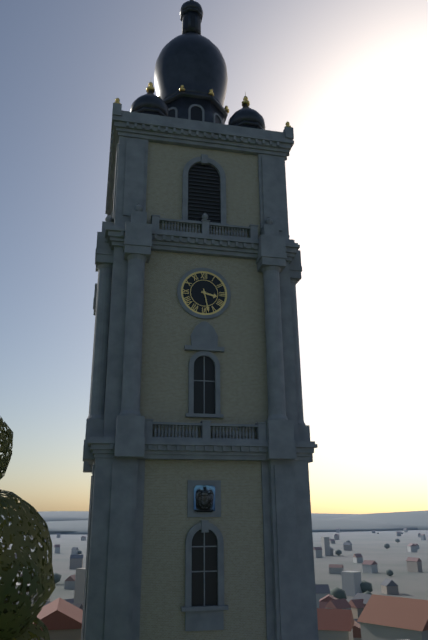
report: 3,28
